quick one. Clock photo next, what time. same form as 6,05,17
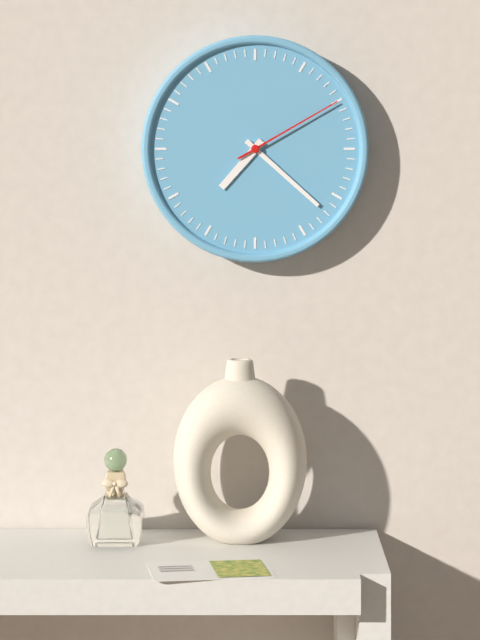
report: 7,22,10
